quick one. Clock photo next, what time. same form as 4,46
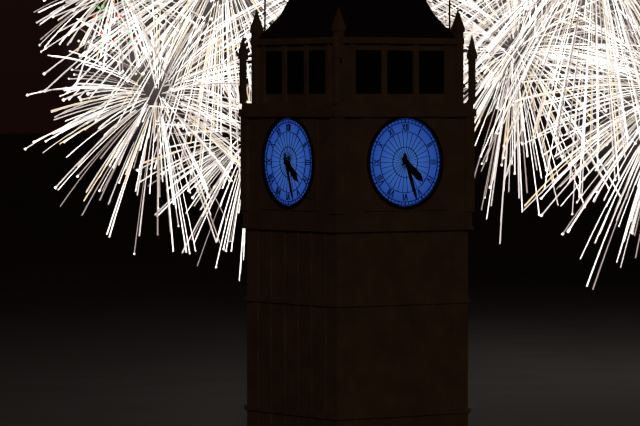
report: 4,27
